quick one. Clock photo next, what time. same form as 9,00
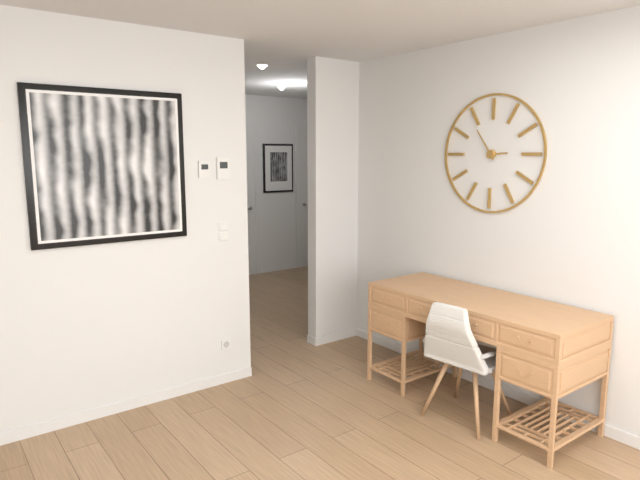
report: 2,54
